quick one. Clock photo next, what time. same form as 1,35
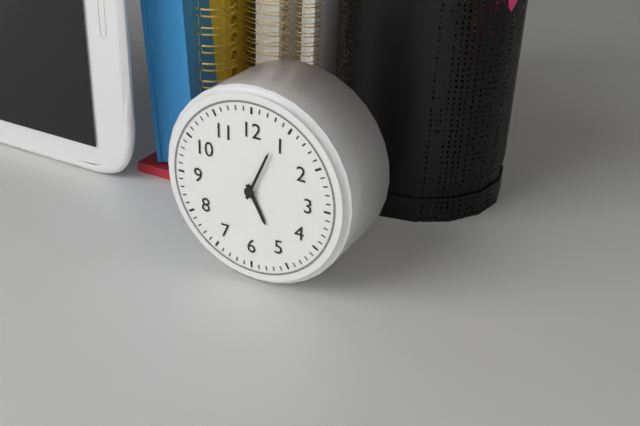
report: 5,04
